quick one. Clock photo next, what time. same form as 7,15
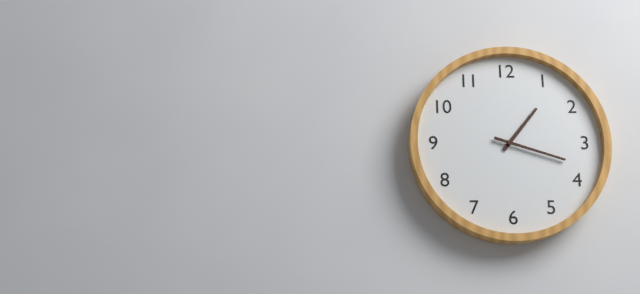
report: 1,18
